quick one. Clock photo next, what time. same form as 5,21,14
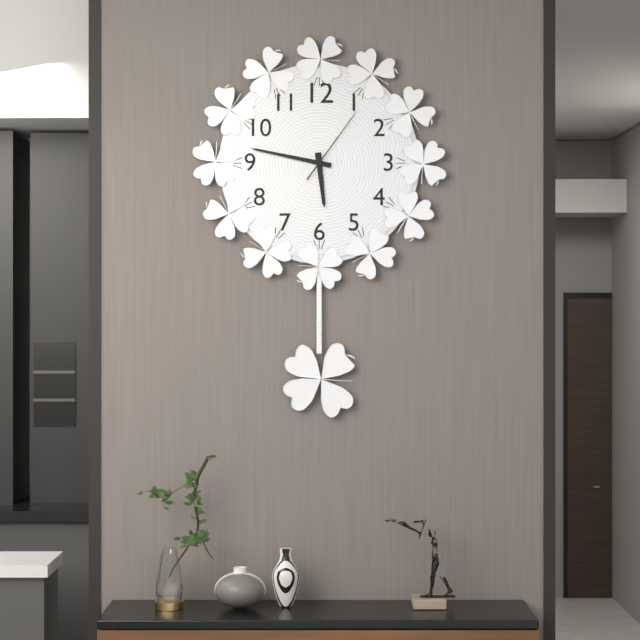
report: 5,47,06
